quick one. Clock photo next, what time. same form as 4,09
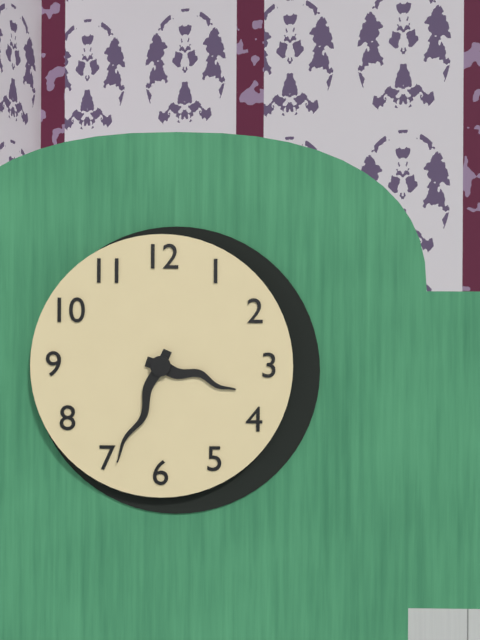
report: 3,34
